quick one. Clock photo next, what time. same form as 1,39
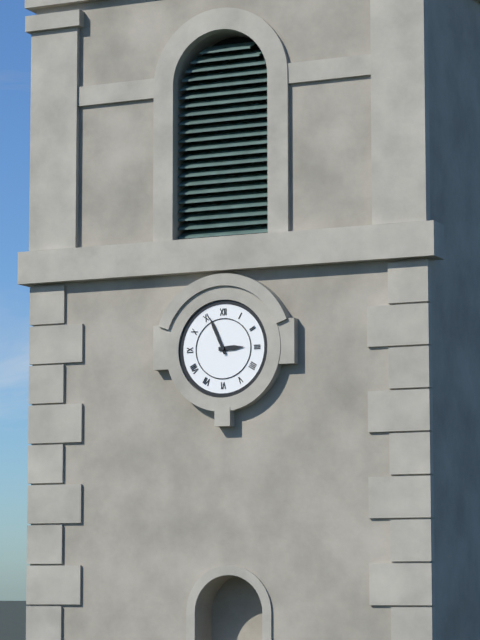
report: 2,56
